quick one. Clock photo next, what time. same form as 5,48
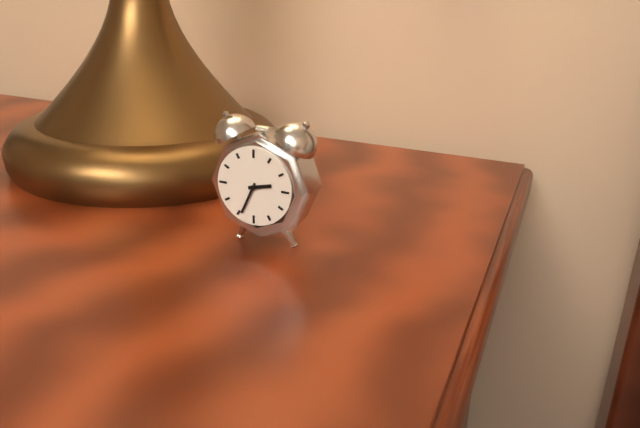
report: 2,34
